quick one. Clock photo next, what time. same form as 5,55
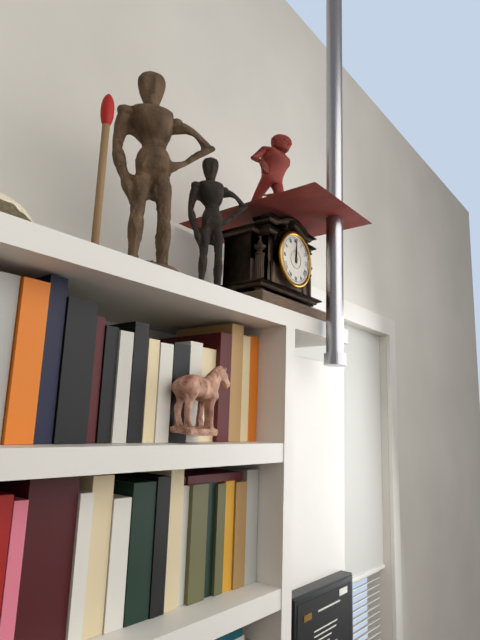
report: 12,00
